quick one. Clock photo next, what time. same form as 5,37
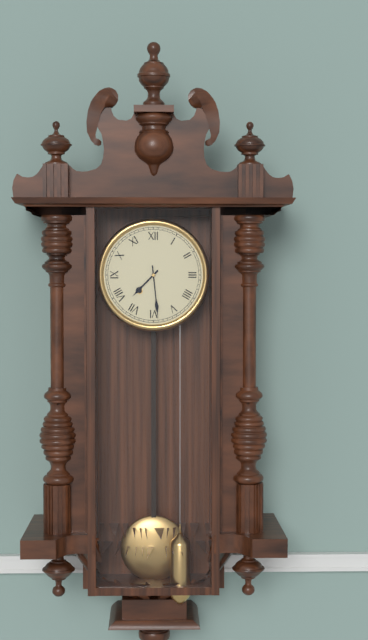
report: 7,29
